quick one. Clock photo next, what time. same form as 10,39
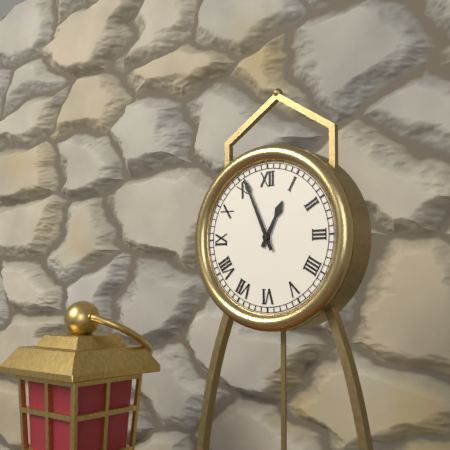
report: 12,56
